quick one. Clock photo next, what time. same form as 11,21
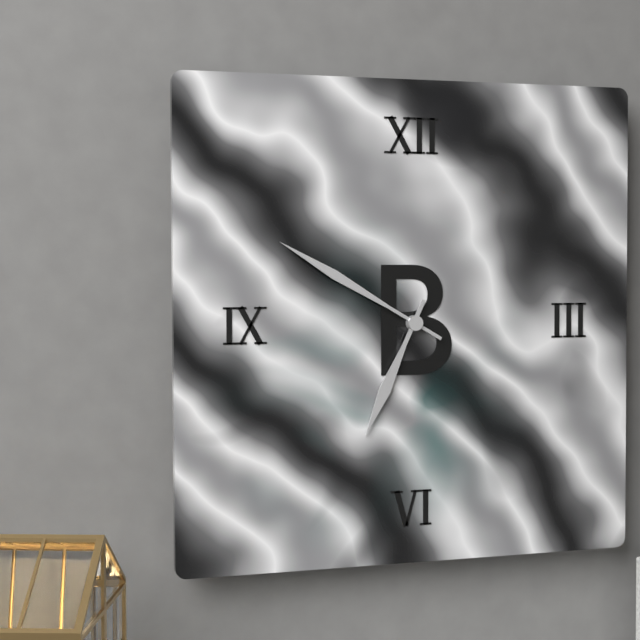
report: 6,50
